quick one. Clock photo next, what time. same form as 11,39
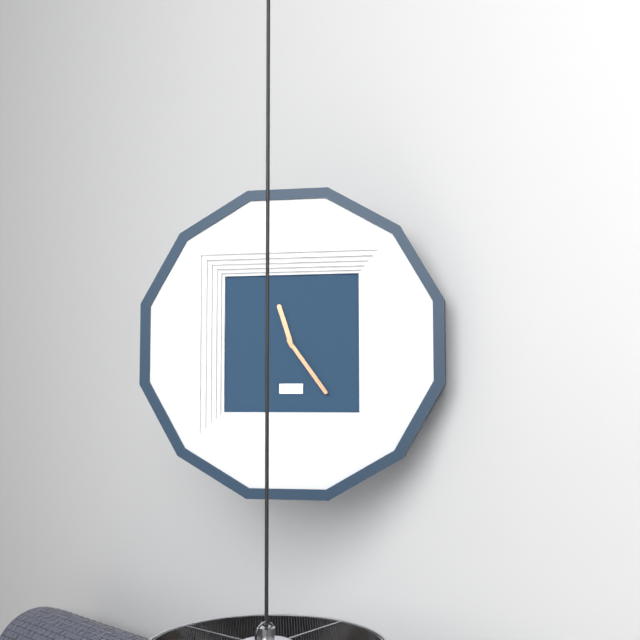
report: 11,24
